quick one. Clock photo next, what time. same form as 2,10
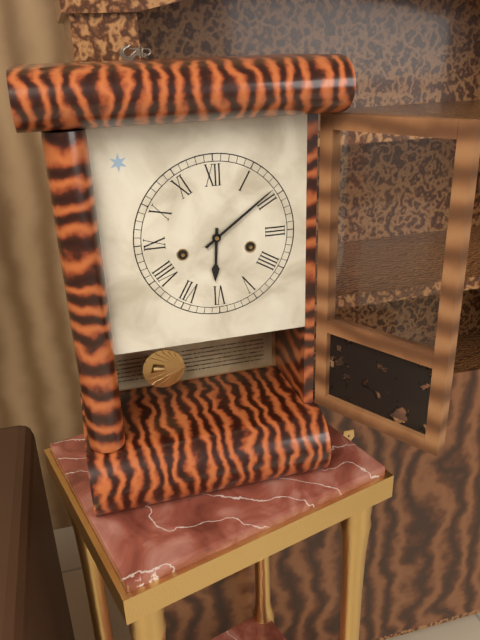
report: 6,09
